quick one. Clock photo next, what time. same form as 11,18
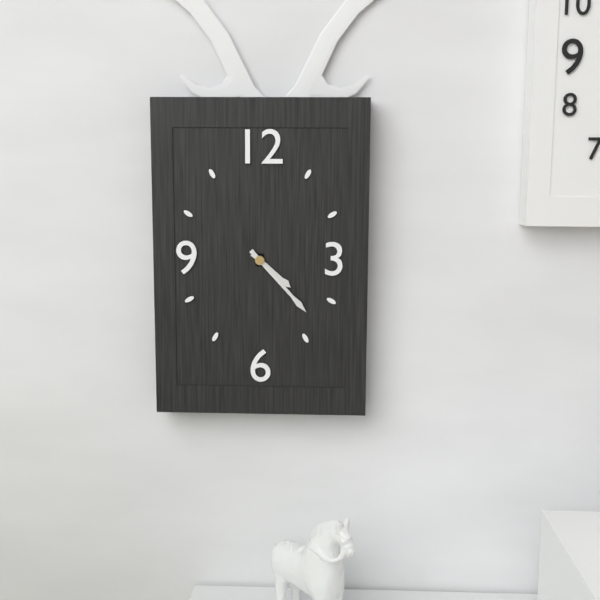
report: 4,23
